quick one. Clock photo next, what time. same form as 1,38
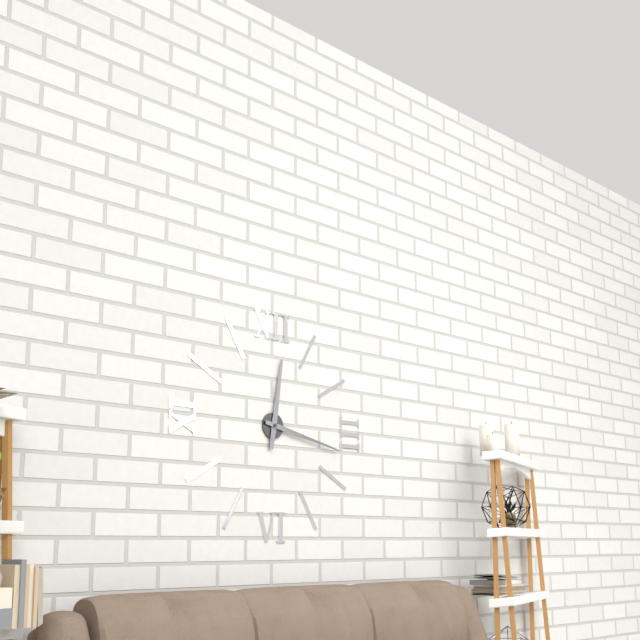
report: 12,17
